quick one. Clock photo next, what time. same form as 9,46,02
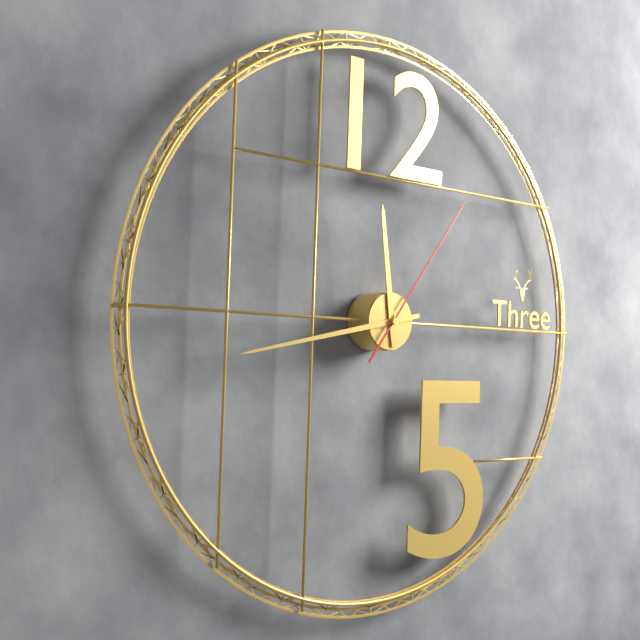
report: 11,43,06
